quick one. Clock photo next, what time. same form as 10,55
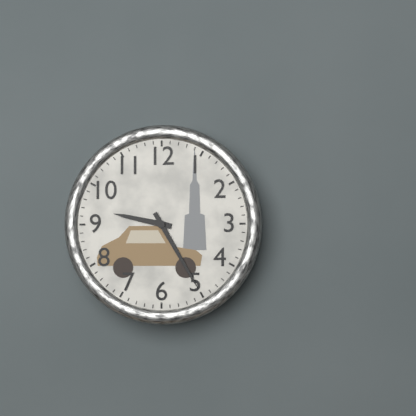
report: 9,25
